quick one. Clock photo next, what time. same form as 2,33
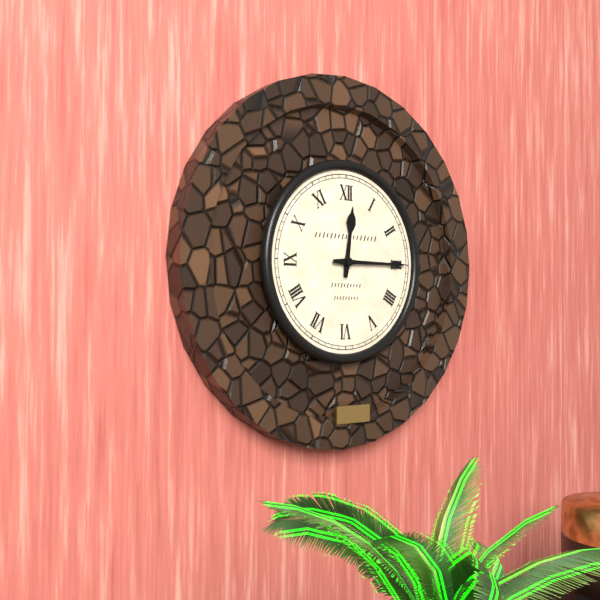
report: 12,15
